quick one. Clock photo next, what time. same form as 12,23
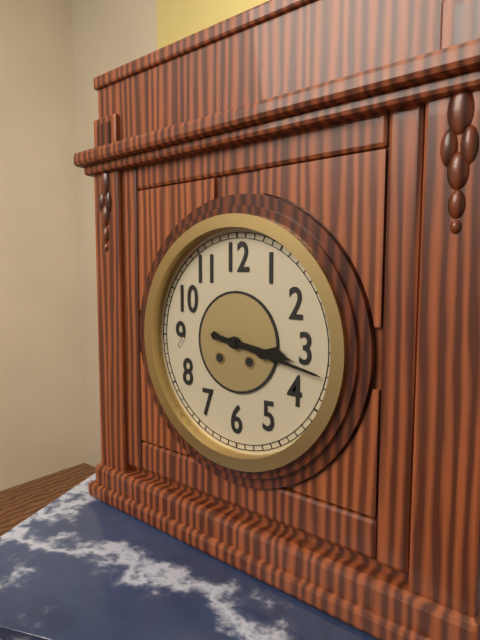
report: 3,17
